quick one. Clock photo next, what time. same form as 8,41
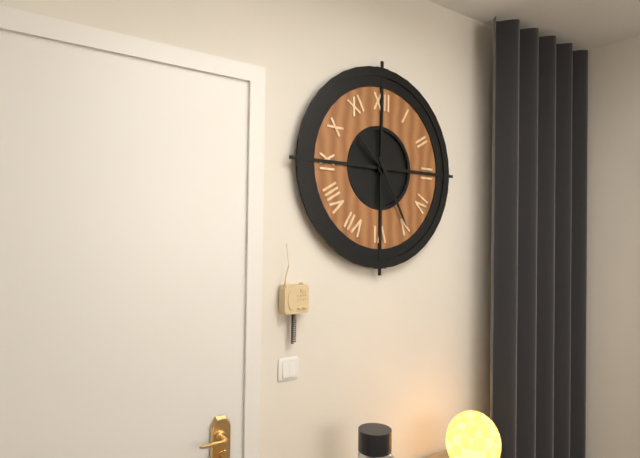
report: 10,25
